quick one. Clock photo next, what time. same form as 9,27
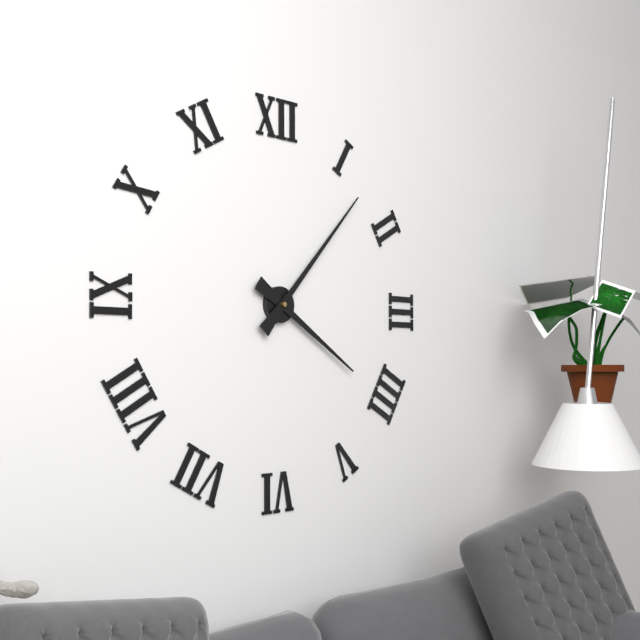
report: 4,07
